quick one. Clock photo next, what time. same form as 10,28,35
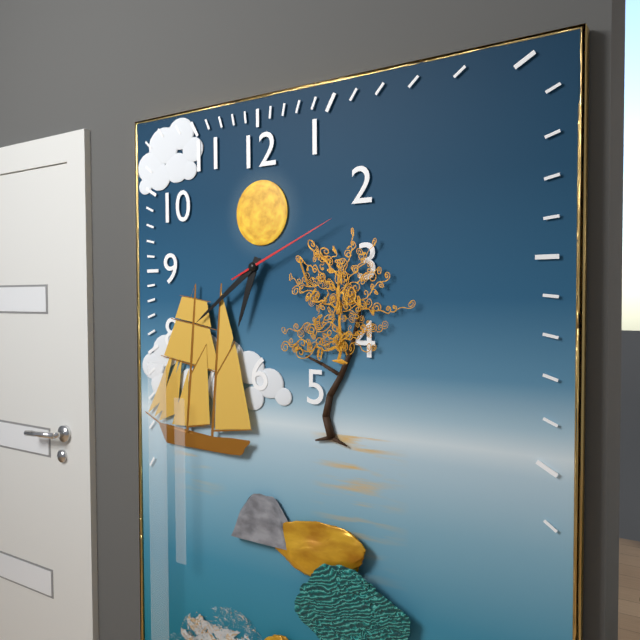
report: 6,39,11
